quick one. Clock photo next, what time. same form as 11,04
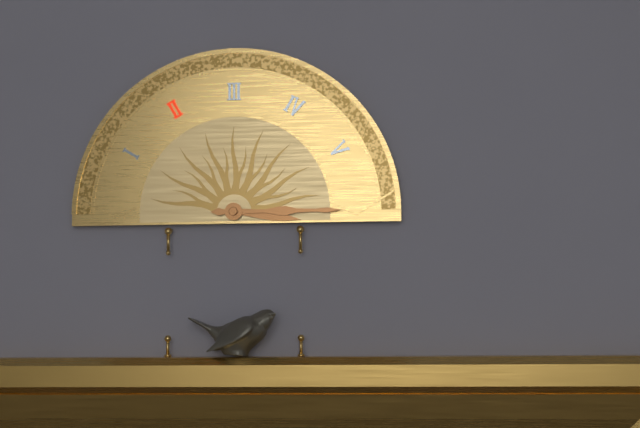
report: 3,15
